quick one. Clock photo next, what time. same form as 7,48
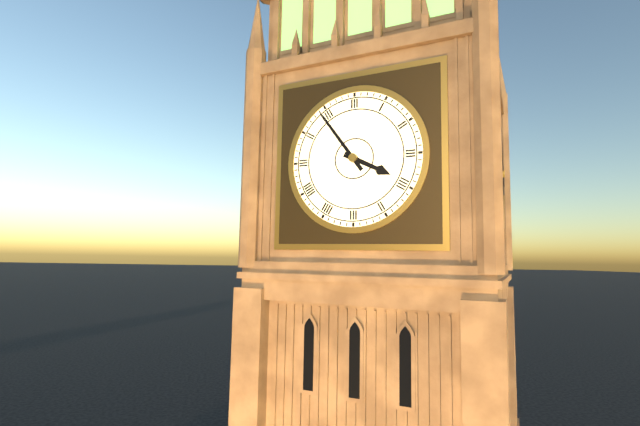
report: 3,54
